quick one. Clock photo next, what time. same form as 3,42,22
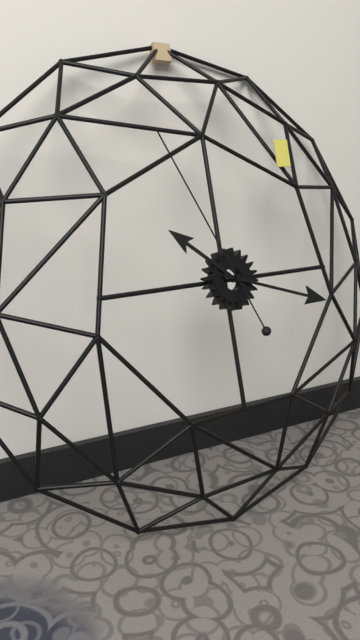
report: 10,18,56
